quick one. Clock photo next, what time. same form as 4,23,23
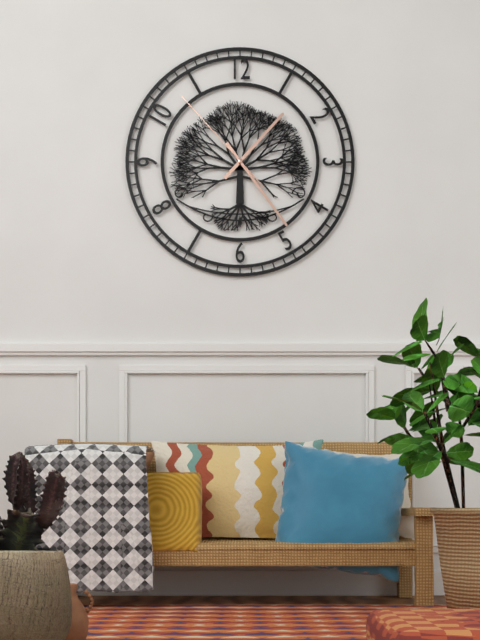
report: 1,24,53
